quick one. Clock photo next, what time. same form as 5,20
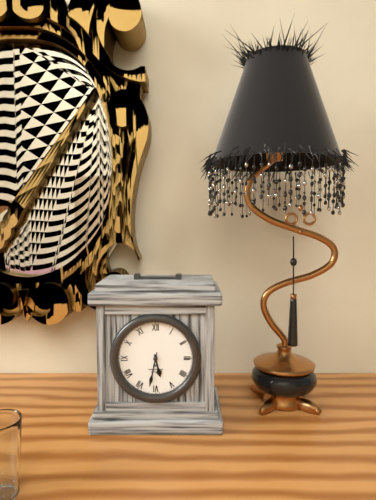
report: 5,32
